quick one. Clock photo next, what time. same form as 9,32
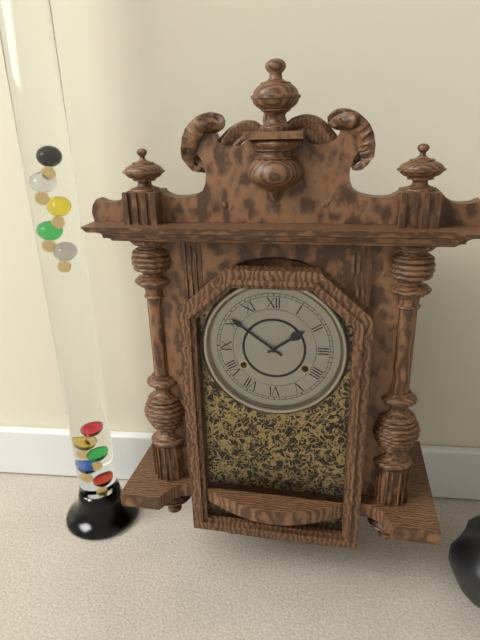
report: 1,51
